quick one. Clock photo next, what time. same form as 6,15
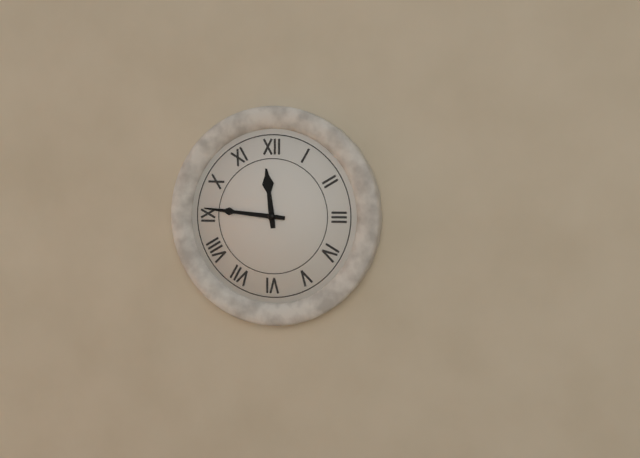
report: 11,46
